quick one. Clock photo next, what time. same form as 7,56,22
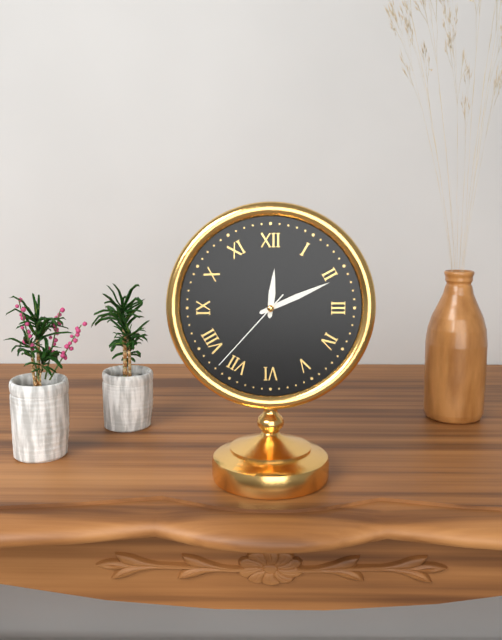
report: 12,11,37
